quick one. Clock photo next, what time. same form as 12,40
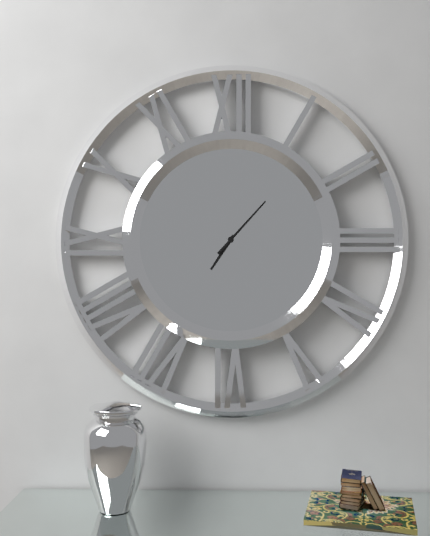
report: 7,07
